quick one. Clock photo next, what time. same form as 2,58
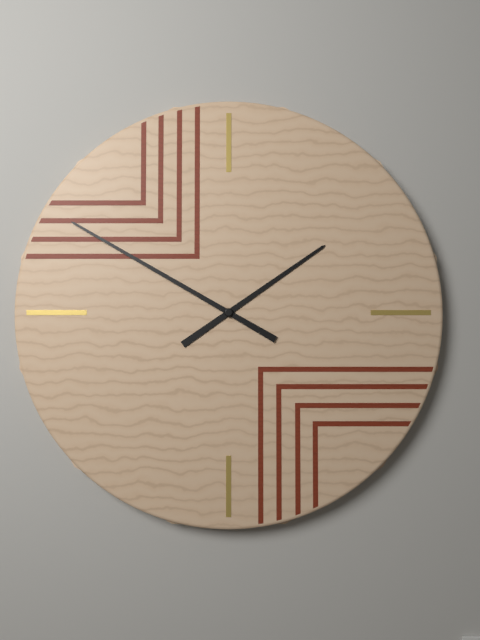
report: 1,50
